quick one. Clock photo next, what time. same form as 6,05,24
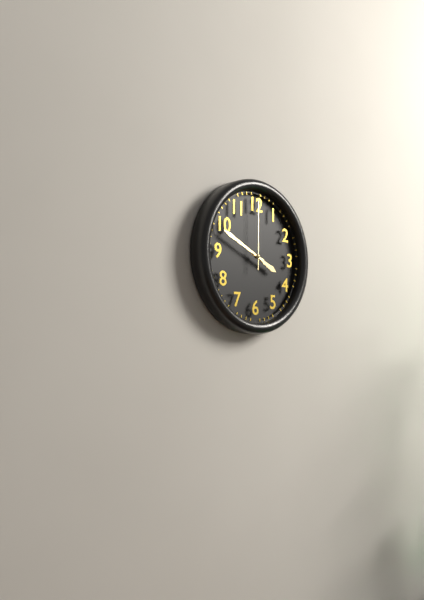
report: 3,49,00
